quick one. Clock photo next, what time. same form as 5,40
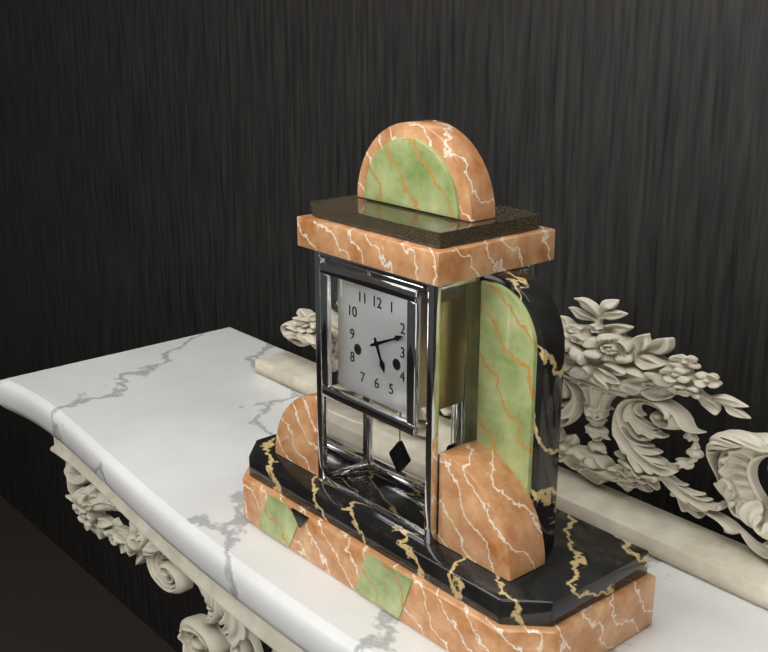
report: 5,11
